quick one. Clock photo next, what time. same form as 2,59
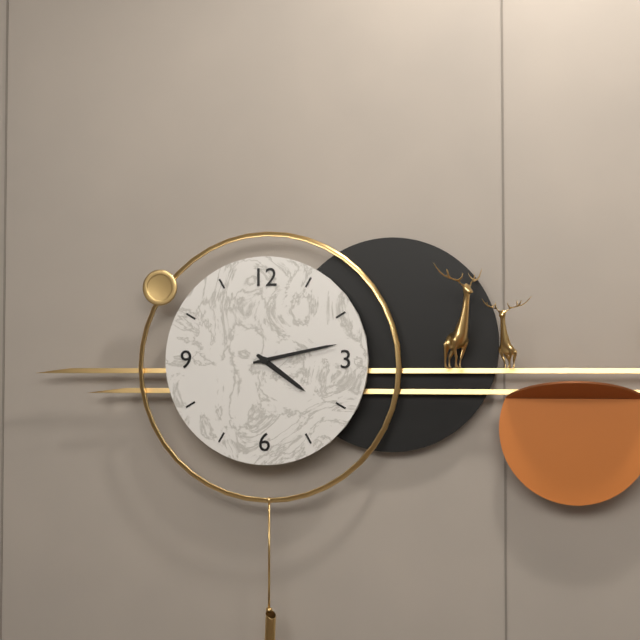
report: 4,13
